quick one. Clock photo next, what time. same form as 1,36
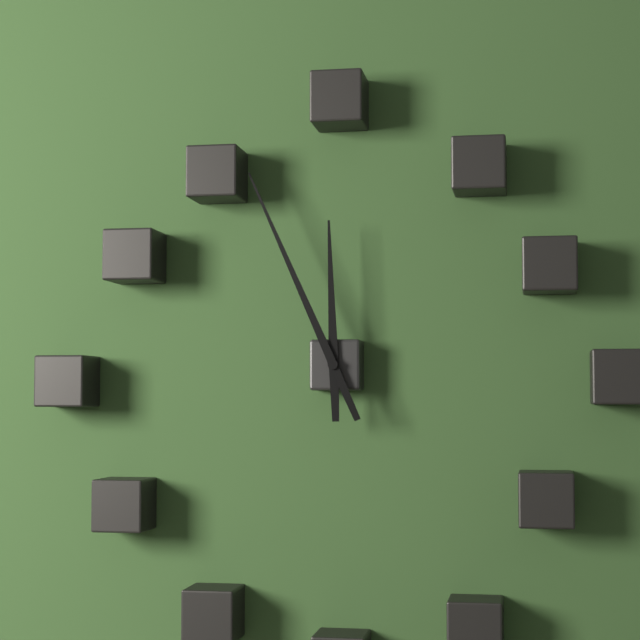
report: 11,56
